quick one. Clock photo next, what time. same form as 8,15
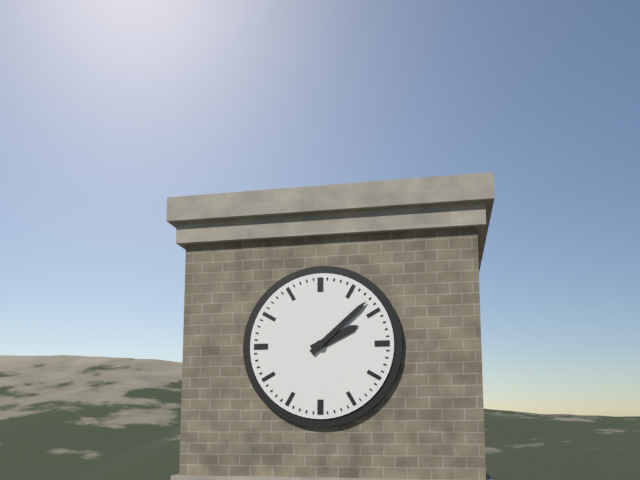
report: 2,08
